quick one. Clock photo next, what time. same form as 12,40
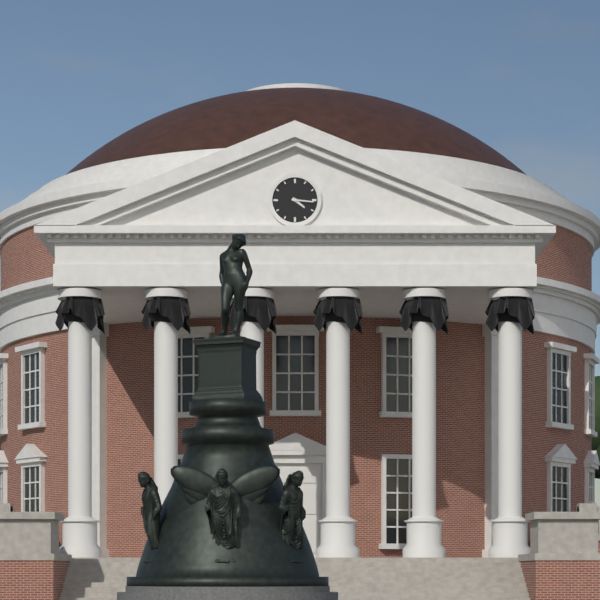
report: 4,16
